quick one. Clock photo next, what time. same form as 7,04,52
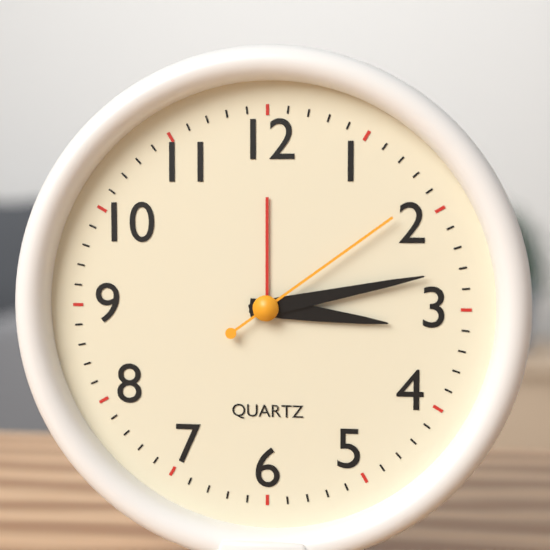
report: 3,13,09
